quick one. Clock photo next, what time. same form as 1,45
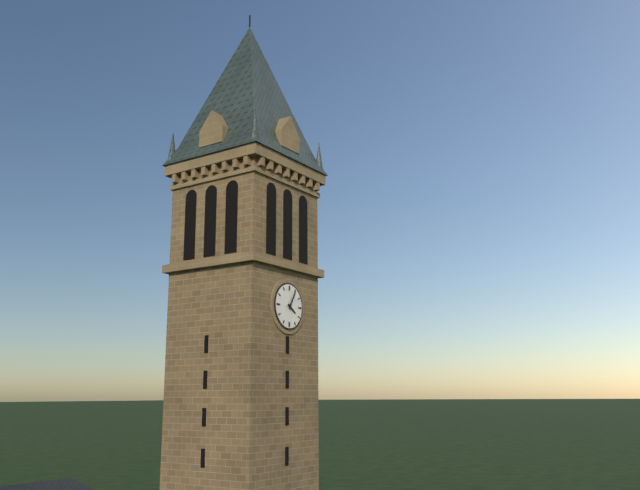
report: 4,05
